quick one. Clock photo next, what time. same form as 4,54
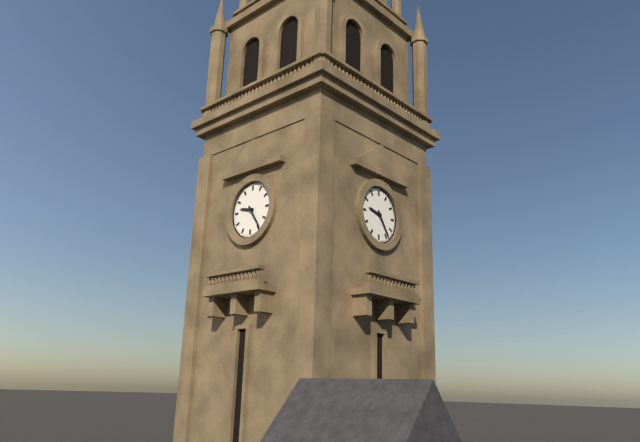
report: 9,24
